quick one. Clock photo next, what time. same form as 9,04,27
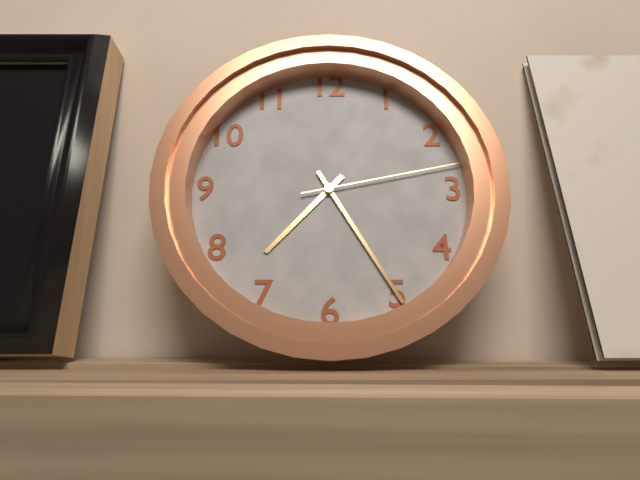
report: 7,25,13
